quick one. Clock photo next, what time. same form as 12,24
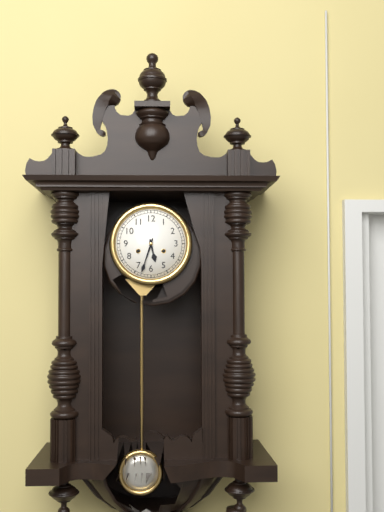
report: 5,33
